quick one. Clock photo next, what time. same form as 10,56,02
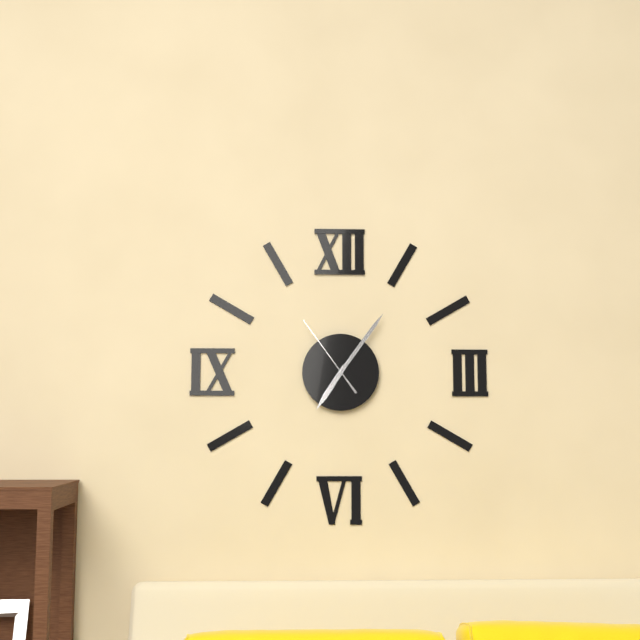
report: 7,06,54
